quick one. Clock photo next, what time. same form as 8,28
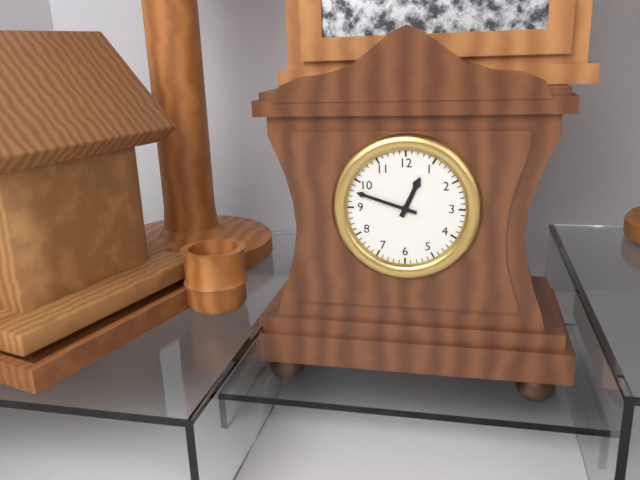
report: 12,48
